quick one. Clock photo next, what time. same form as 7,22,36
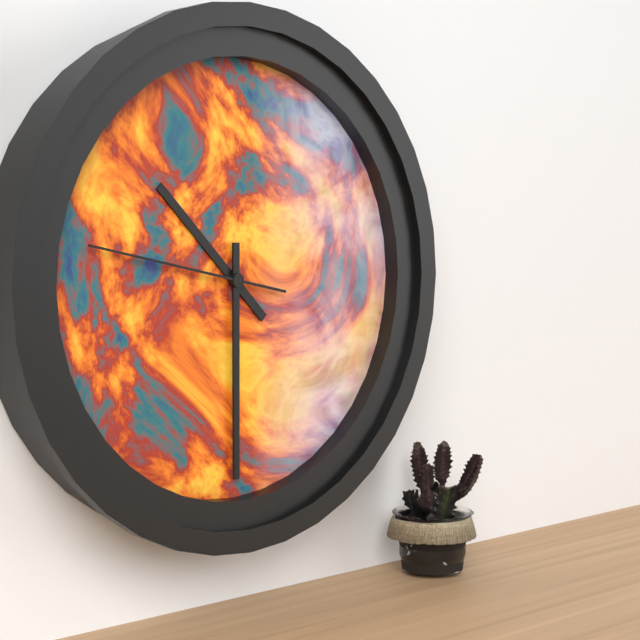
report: 10,30,47
